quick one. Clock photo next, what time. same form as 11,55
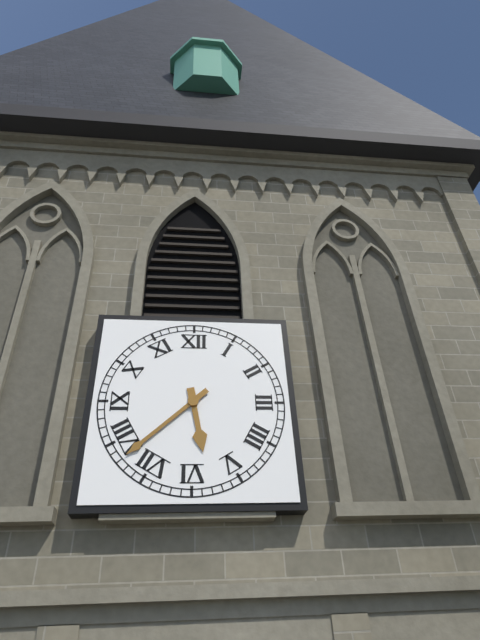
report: 5,38
